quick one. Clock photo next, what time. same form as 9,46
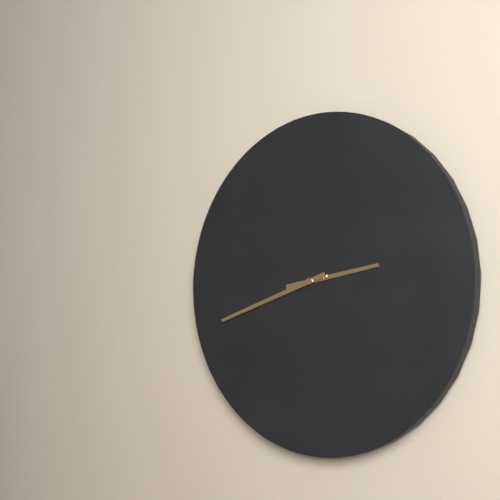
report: 2,42
